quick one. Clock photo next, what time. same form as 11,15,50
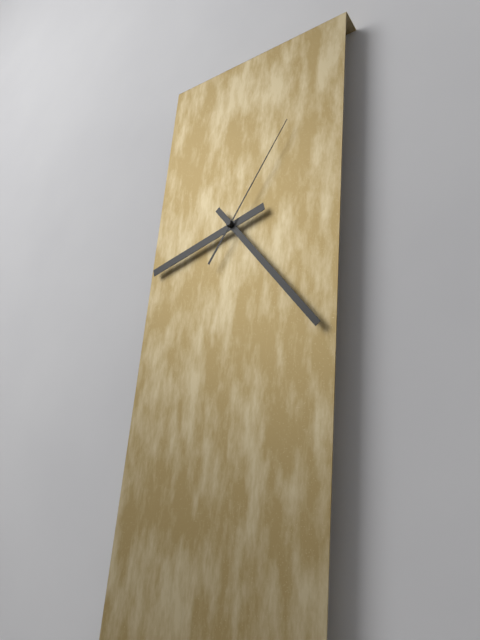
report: 8,23,05
